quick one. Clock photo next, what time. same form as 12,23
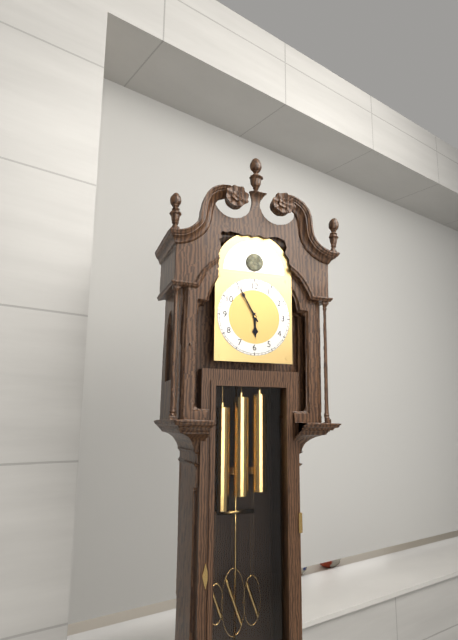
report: 5,55
